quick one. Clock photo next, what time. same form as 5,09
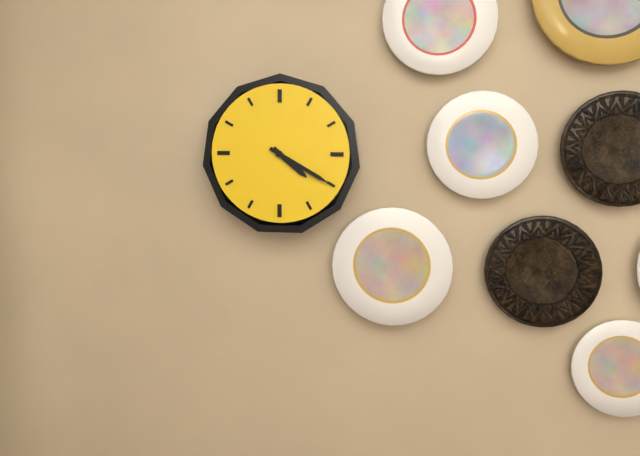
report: 4,20
